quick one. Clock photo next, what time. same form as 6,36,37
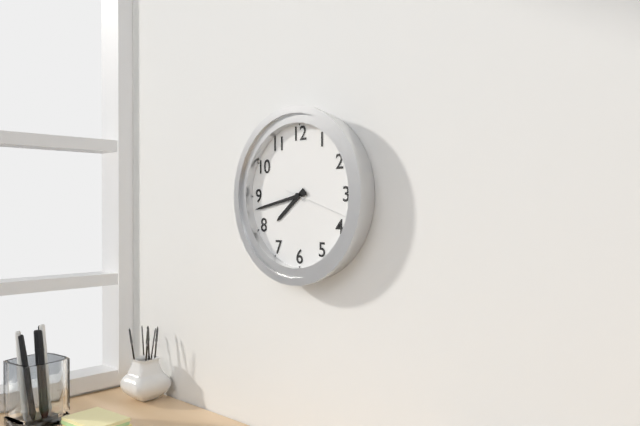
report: 7,43,18
